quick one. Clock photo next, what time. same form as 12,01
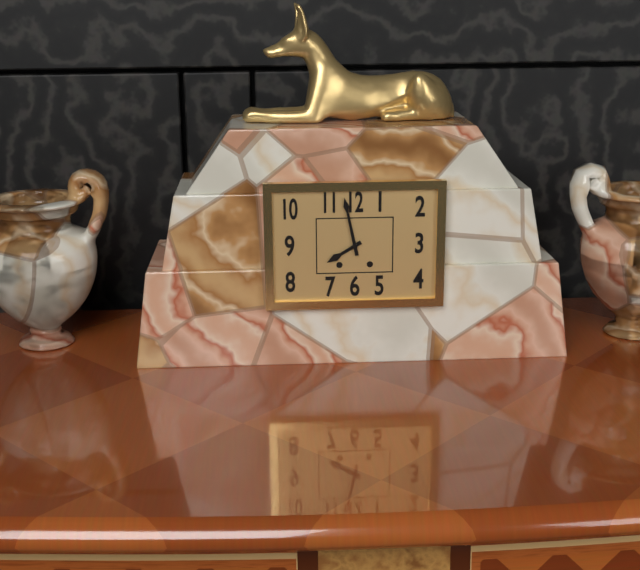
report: 7,58
